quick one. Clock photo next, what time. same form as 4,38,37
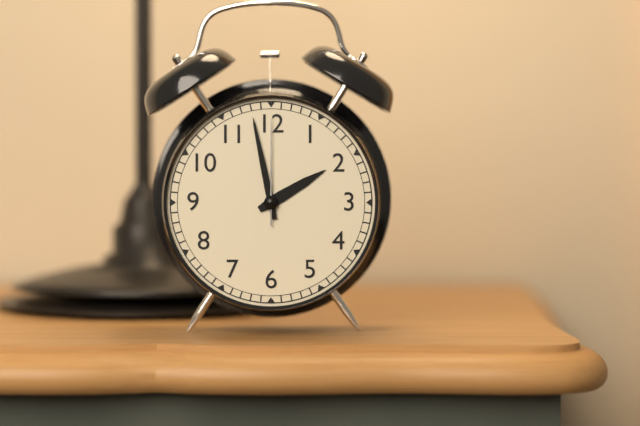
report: 1,58,00
